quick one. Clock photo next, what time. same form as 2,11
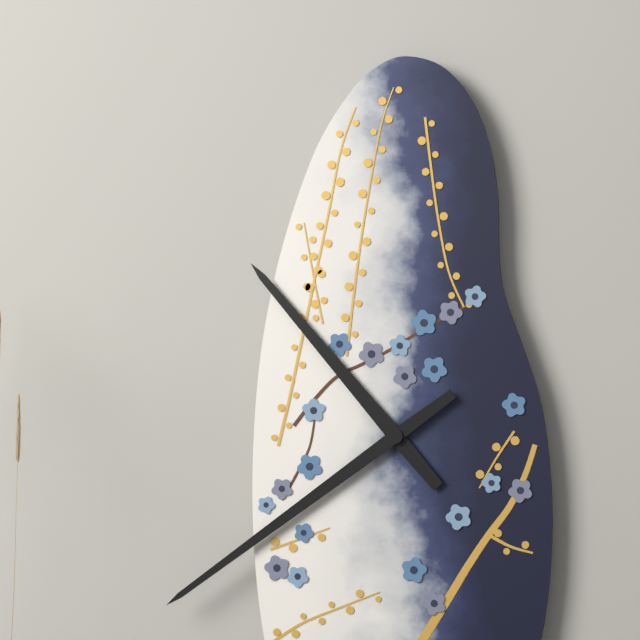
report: 10,39
